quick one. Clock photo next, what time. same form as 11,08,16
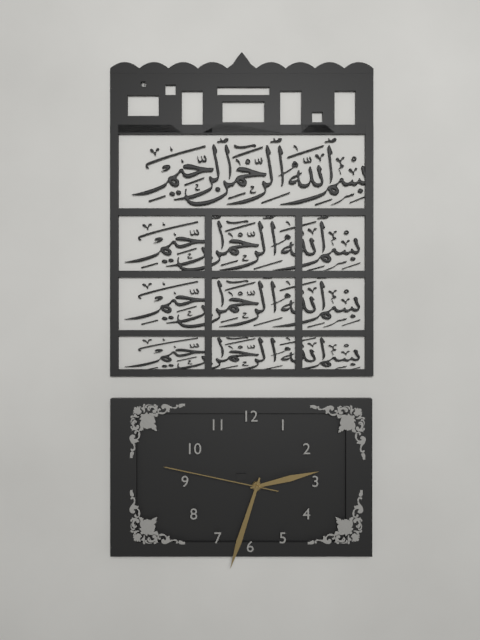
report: 2,33,47
